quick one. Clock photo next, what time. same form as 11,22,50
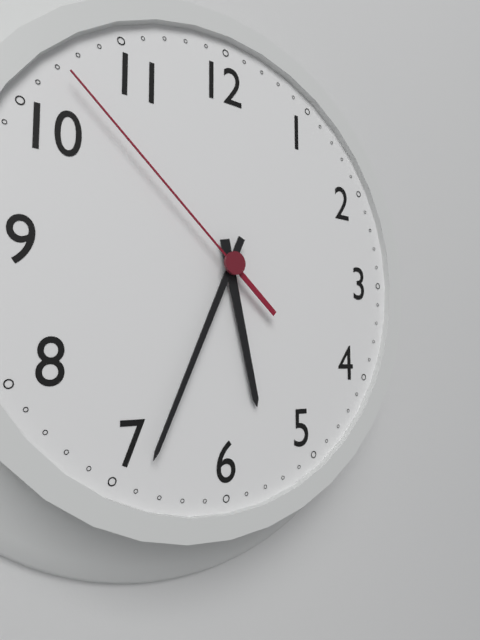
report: 5,34,52
